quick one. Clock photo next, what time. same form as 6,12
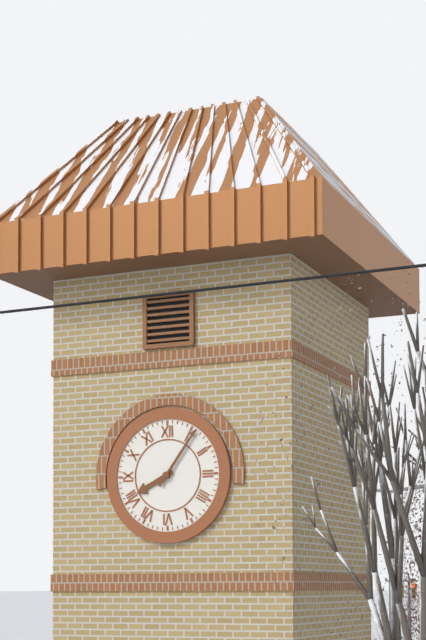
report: 8,06
